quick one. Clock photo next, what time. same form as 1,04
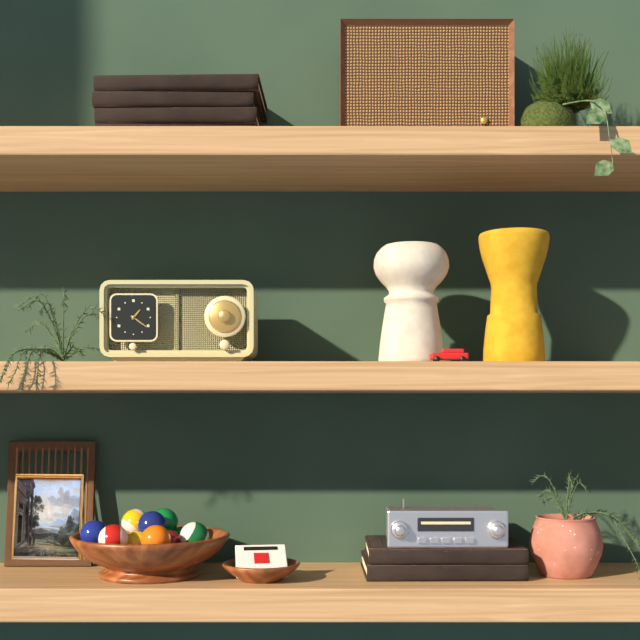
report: 1,21
